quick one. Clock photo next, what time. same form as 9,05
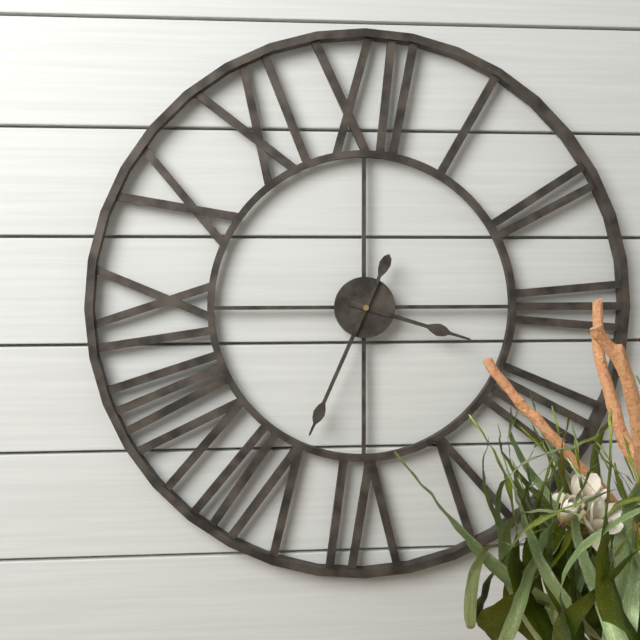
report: 3,34
